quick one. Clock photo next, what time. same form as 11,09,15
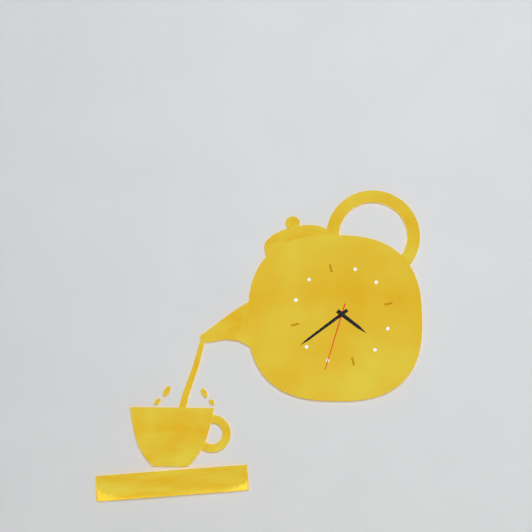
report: 4,41,35
